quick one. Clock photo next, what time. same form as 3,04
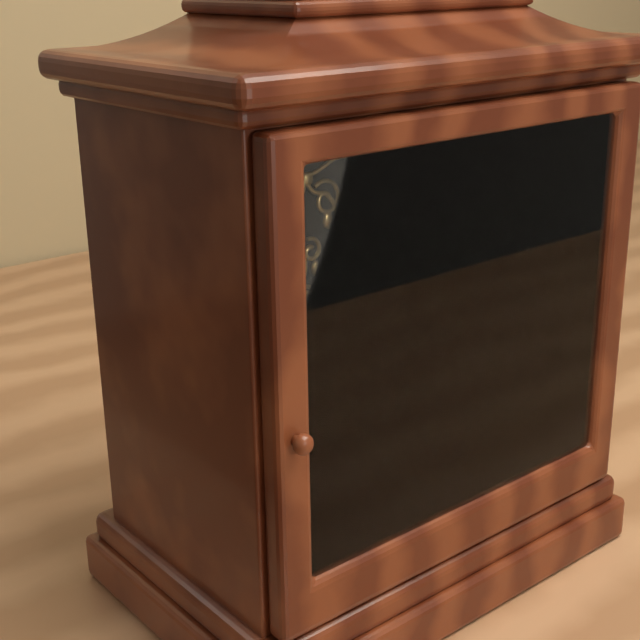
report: 9,58
